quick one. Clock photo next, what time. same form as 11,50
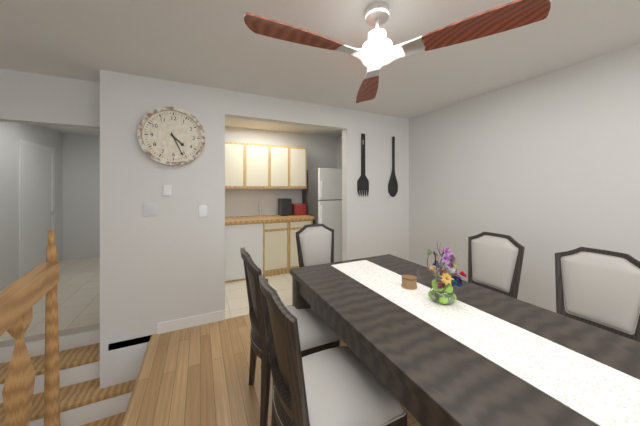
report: 4,26
